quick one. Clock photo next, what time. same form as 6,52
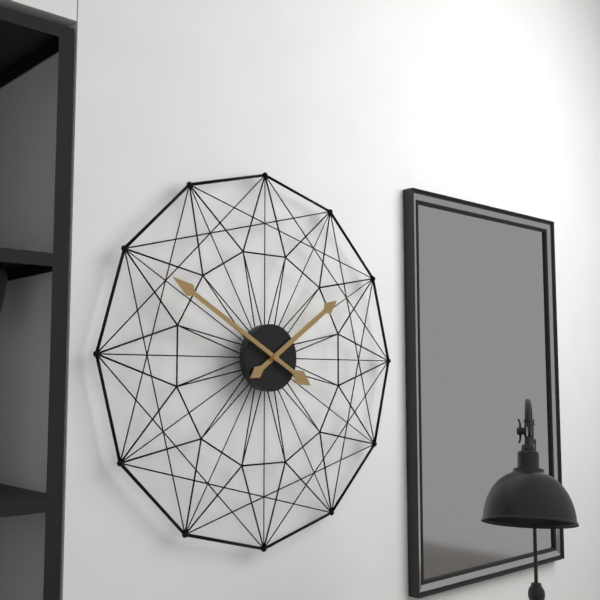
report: 1,50
